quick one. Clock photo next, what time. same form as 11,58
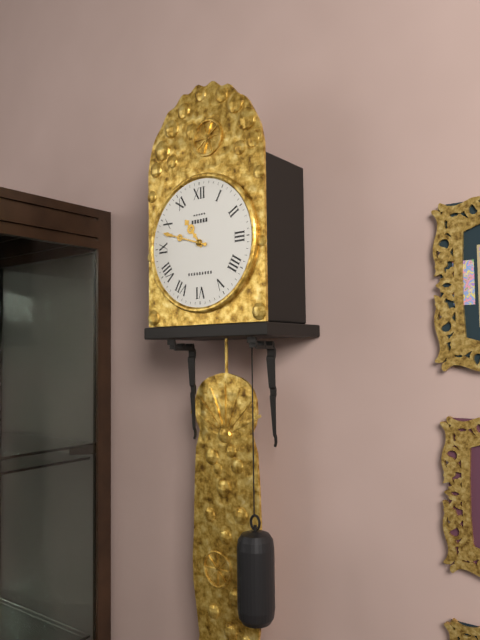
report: 10,48
